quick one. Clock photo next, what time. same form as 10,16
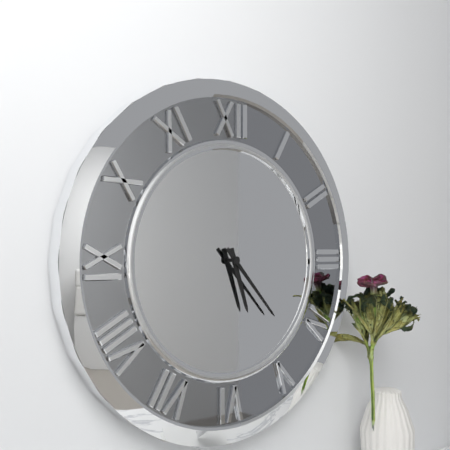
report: 5,23
